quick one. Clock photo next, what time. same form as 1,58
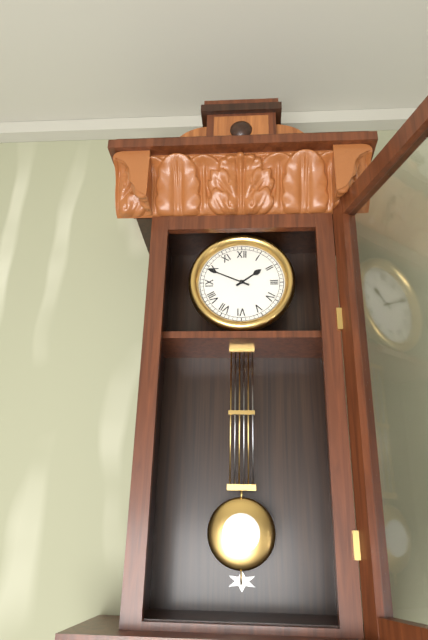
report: 1,49
